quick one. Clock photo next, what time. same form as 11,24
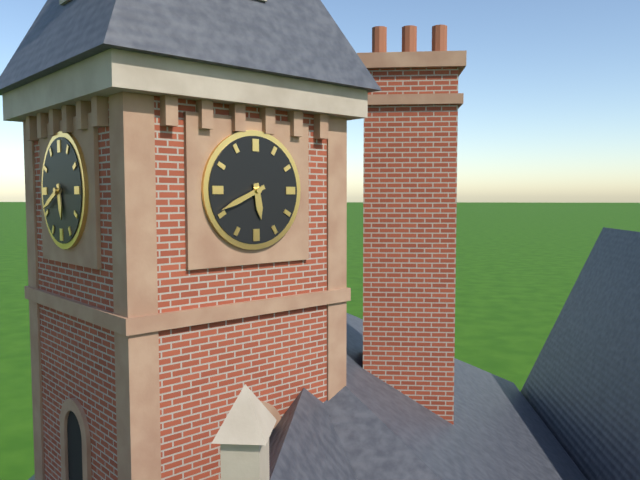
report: 5,41
